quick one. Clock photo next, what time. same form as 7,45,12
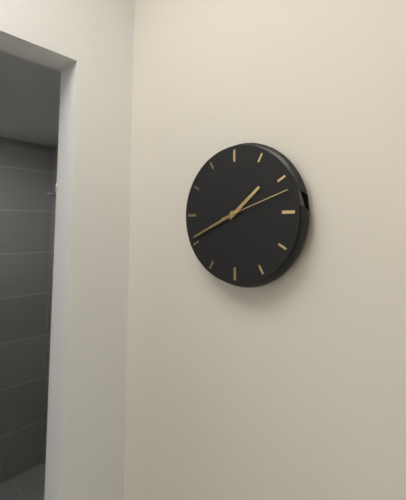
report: 1,41,12
